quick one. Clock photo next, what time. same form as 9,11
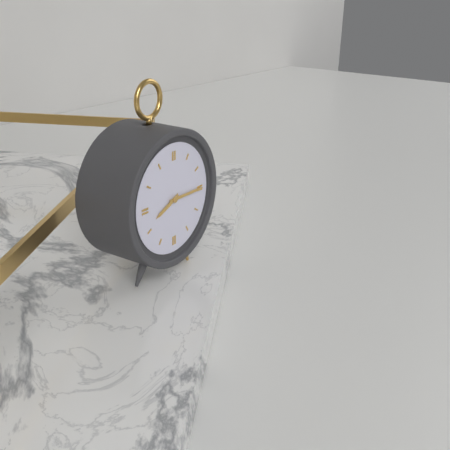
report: 8,15
